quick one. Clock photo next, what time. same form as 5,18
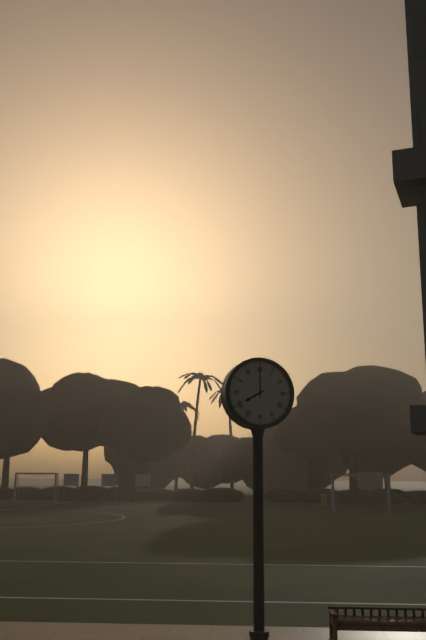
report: 8,00
